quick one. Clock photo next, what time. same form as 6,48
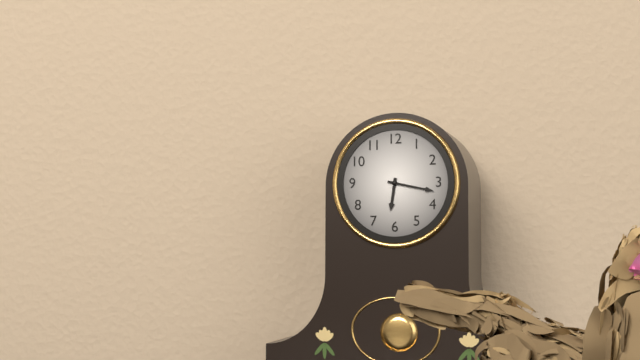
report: 6,17
